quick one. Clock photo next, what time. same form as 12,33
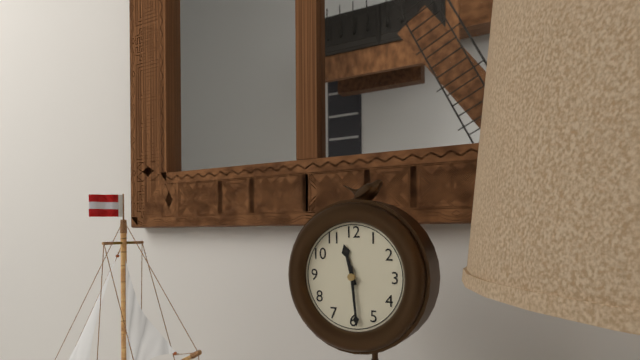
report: 11,29
